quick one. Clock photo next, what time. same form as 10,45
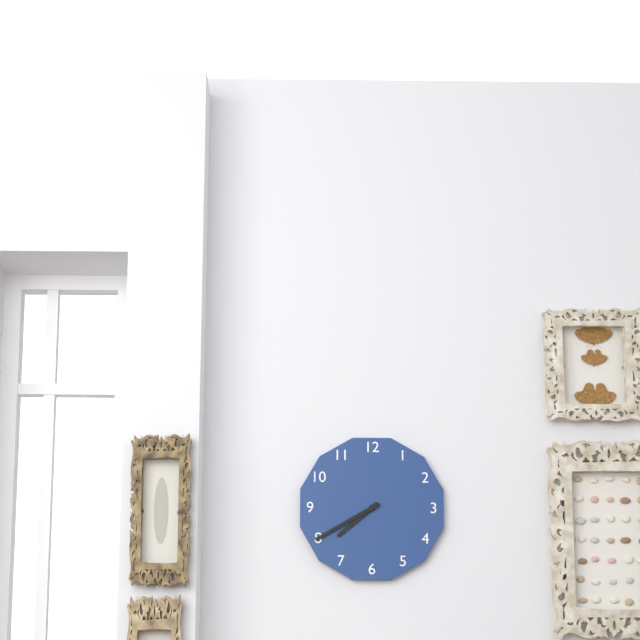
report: 7,40
